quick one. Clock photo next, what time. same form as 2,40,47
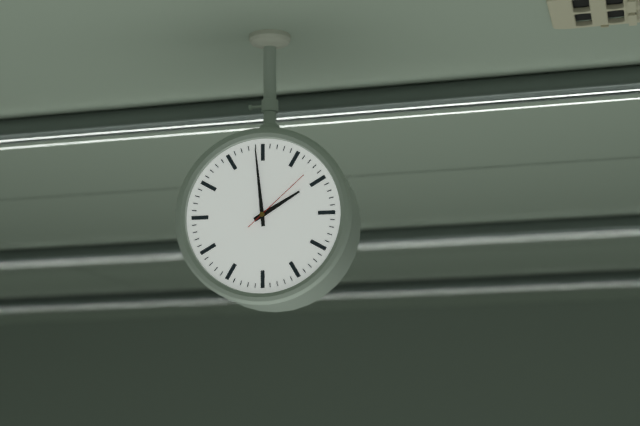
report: 1,59,08
